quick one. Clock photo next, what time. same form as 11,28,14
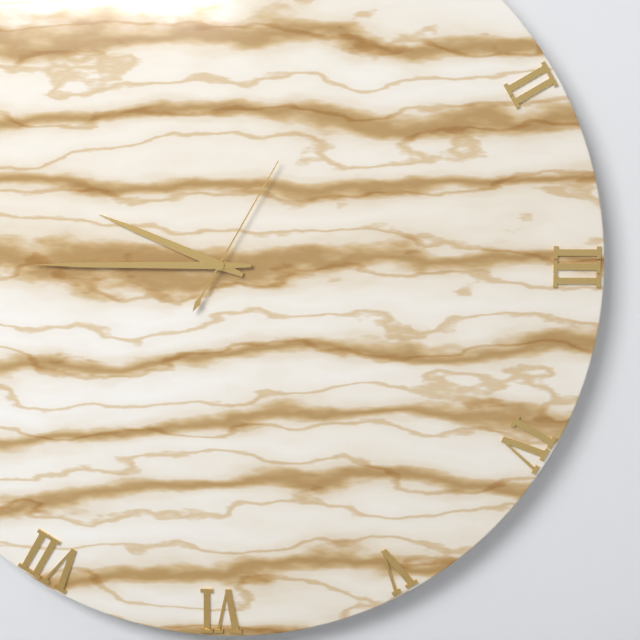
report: 9,45,05
